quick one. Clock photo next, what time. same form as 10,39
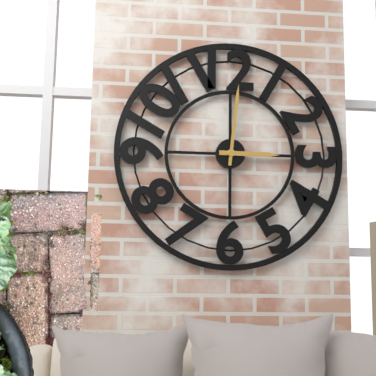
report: 3,01
